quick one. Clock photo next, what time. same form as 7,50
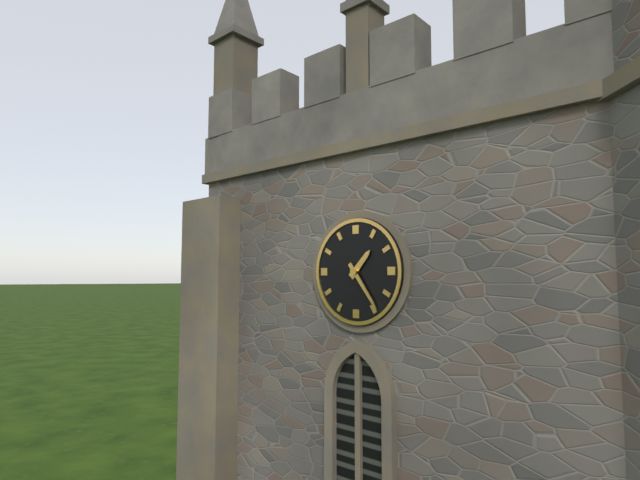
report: 1,24
